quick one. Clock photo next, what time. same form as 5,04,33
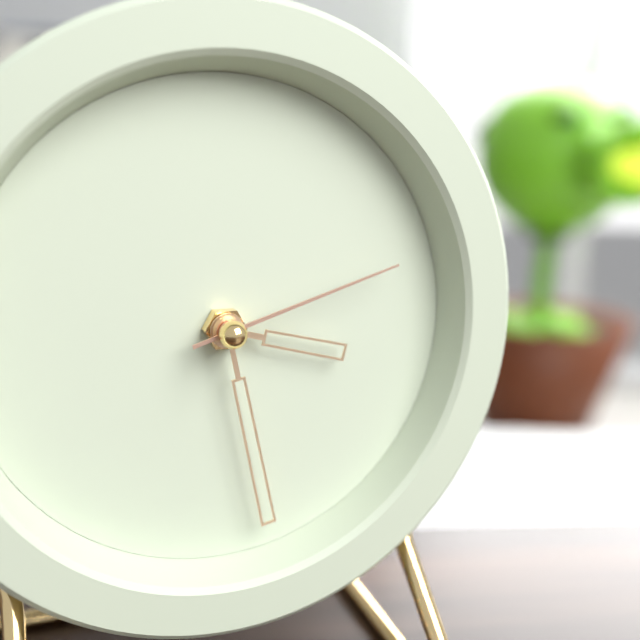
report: 3,28,12
